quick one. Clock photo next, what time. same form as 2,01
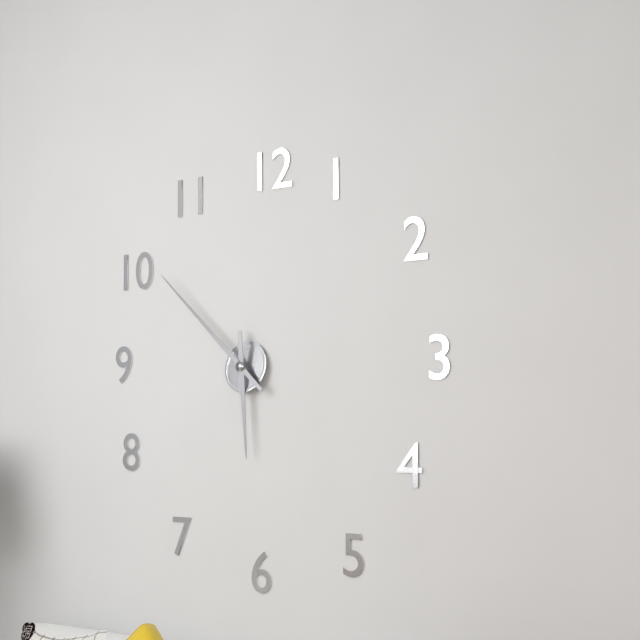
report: 5,52
